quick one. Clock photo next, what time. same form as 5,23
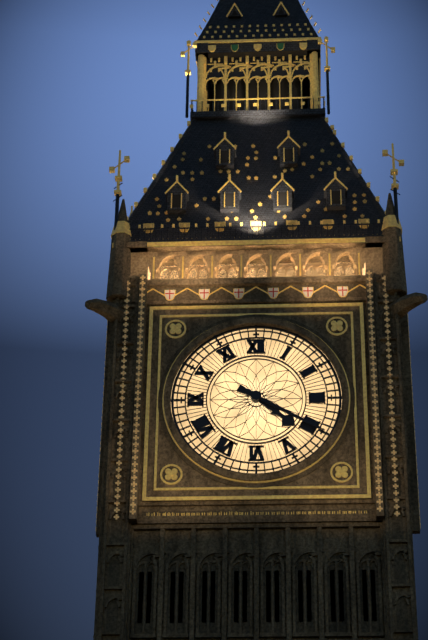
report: 4,20
